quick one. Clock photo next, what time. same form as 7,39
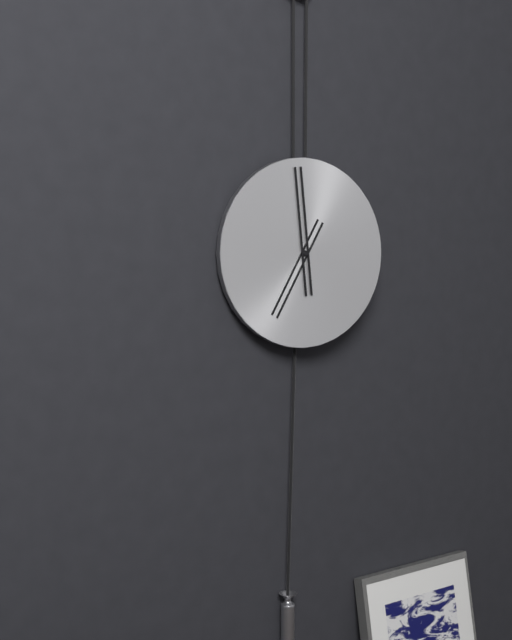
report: 6,59
